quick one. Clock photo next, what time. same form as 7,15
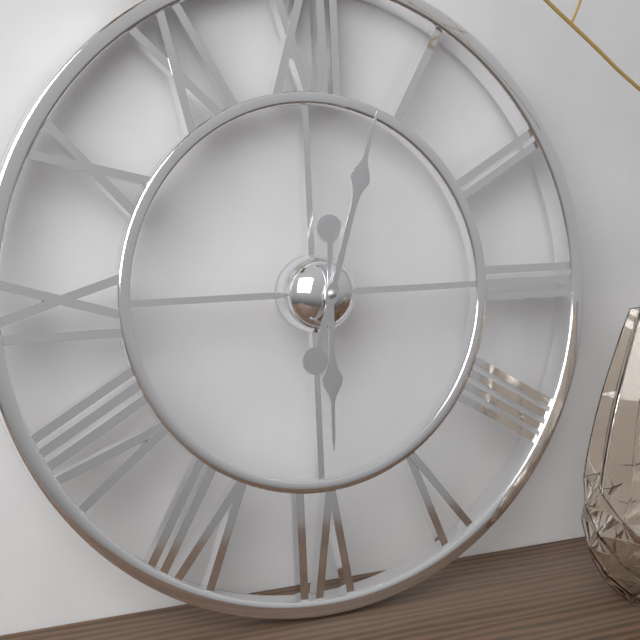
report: 6,03
